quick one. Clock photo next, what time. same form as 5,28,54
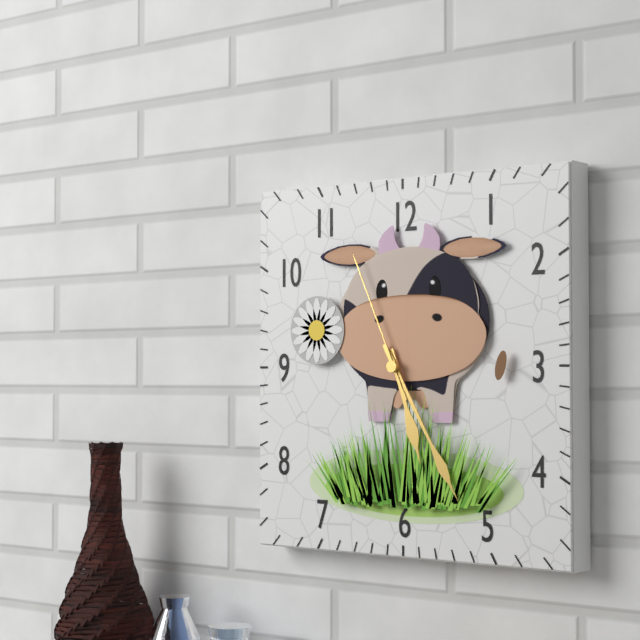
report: 5,25,56
